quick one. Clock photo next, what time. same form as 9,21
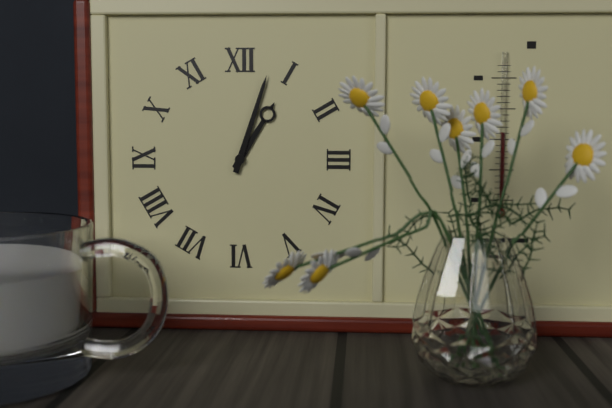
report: 1,03
